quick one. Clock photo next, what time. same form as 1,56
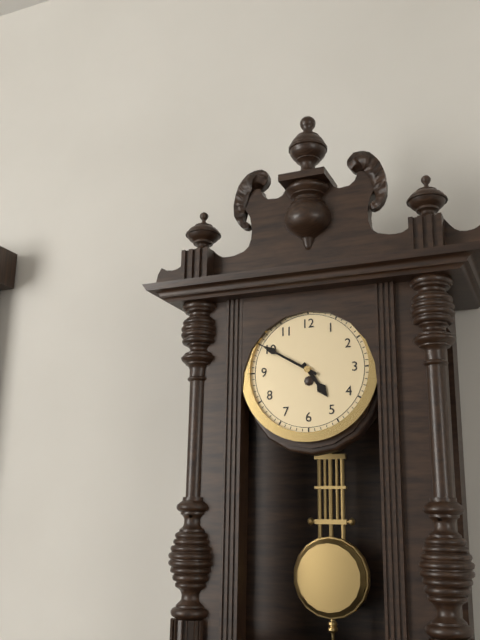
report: 4,50
